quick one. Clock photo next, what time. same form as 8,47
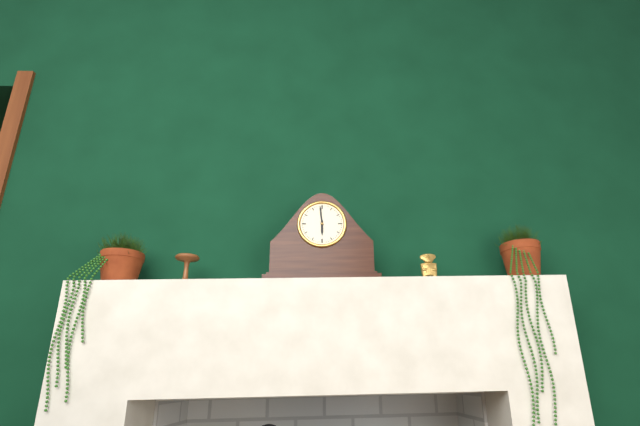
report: 5,59
